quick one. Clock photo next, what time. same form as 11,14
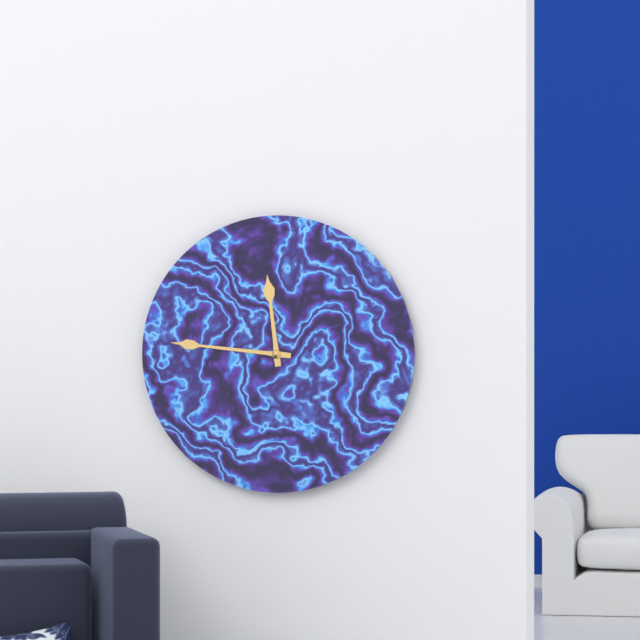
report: 11,46
